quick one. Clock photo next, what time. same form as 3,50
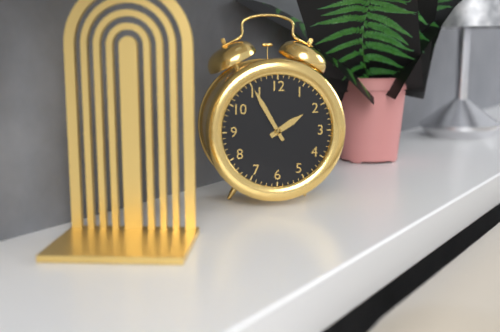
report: 1,55
